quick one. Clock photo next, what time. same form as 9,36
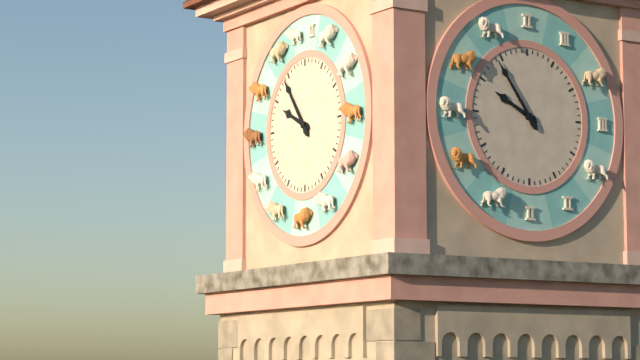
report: 9,54
